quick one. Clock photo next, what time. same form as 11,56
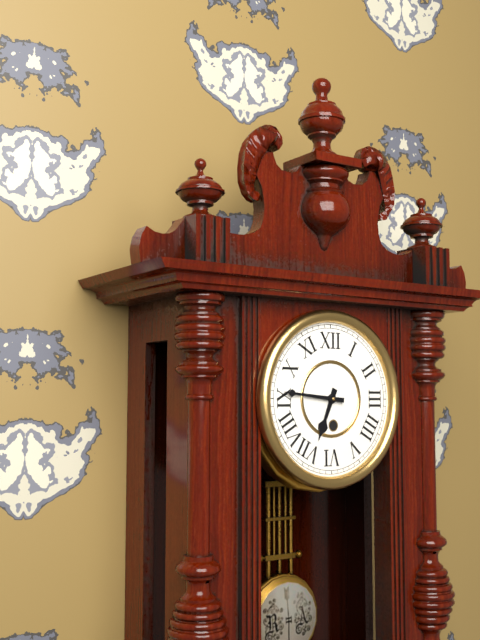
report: 6,46
